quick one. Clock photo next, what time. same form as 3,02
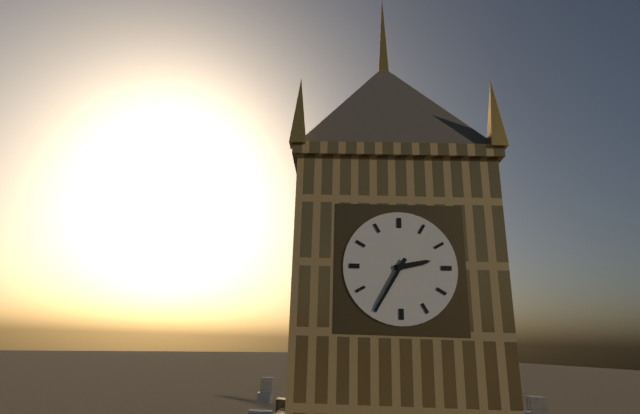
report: 2,35
